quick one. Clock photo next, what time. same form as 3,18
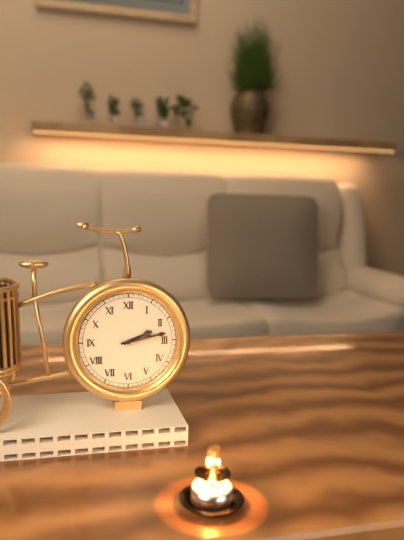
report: 2,13
